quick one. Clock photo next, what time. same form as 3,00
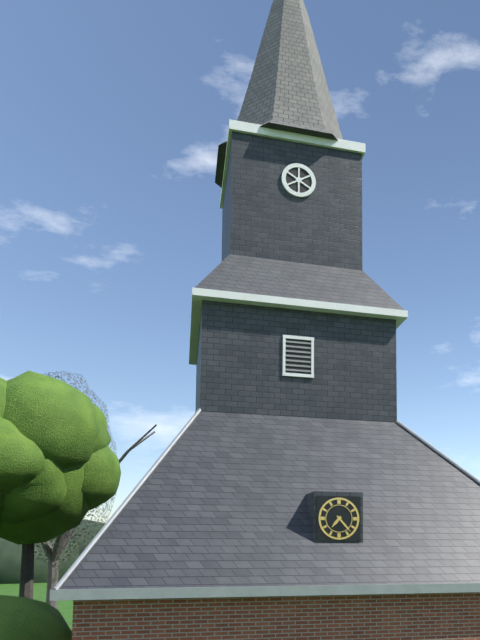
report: 7,23
